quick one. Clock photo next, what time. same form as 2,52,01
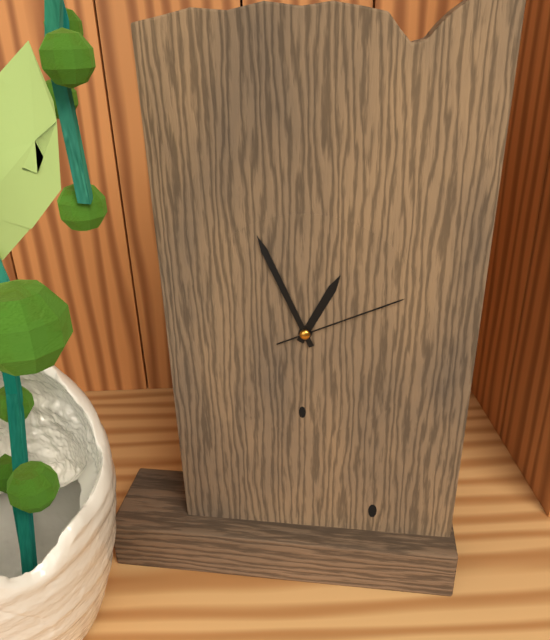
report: 12,56,11
